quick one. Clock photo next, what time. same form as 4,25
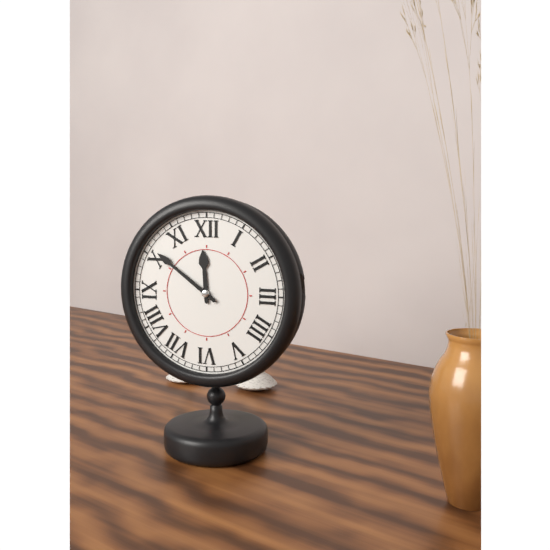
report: 11,51
